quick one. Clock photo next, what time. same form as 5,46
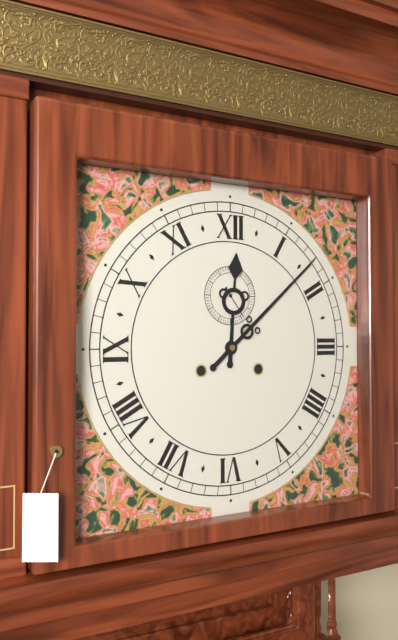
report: 12,08
